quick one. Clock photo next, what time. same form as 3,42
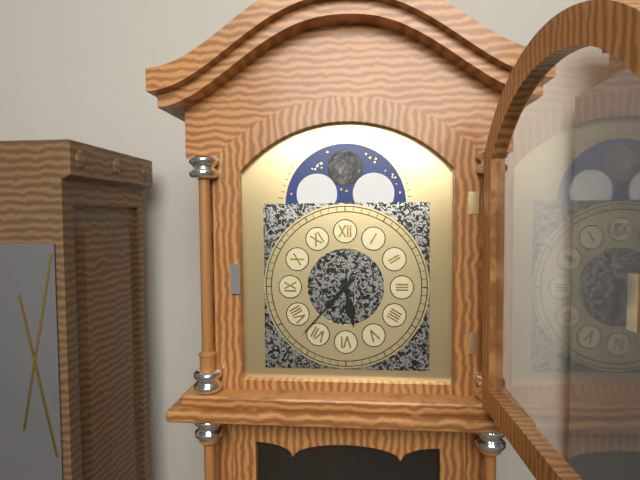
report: 5,37
